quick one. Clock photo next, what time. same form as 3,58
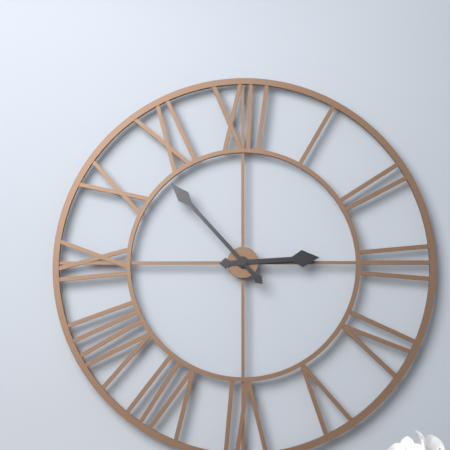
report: 2,53
